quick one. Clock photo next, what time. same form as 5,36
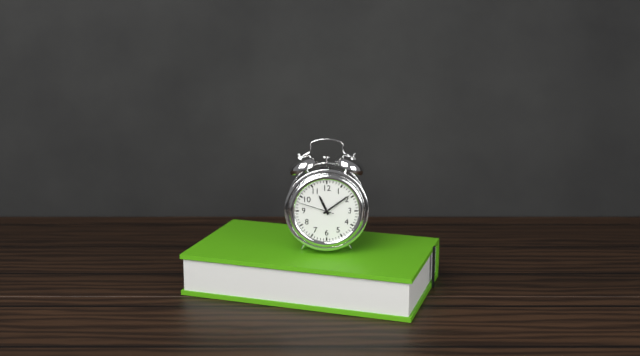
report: 11,09
